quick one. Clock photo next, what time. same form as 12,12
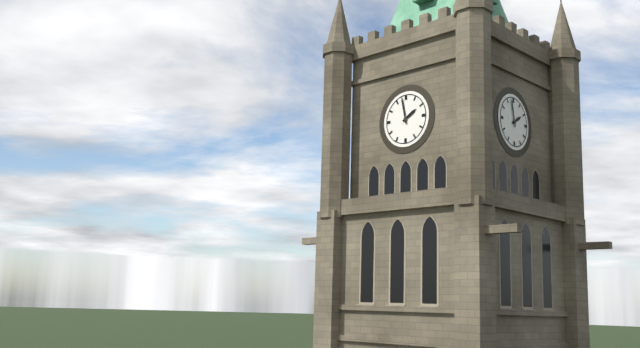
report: 1,58
